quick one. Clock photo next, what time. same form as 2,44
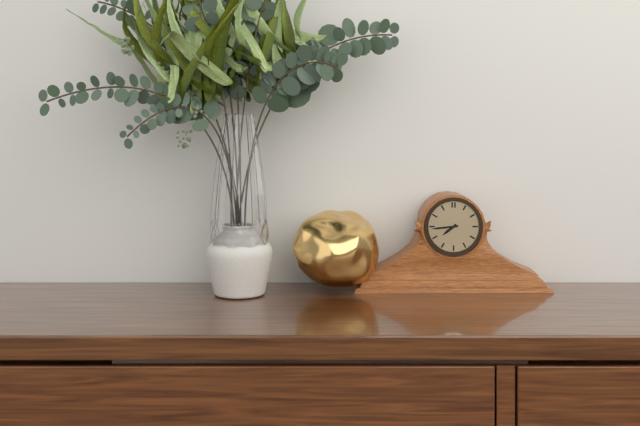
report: 7,44
